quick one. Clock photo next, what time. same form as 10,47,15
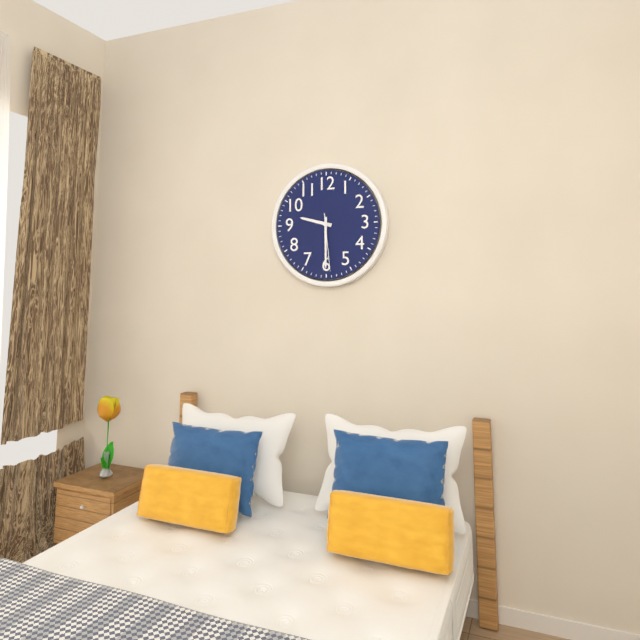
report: 9,30,29
